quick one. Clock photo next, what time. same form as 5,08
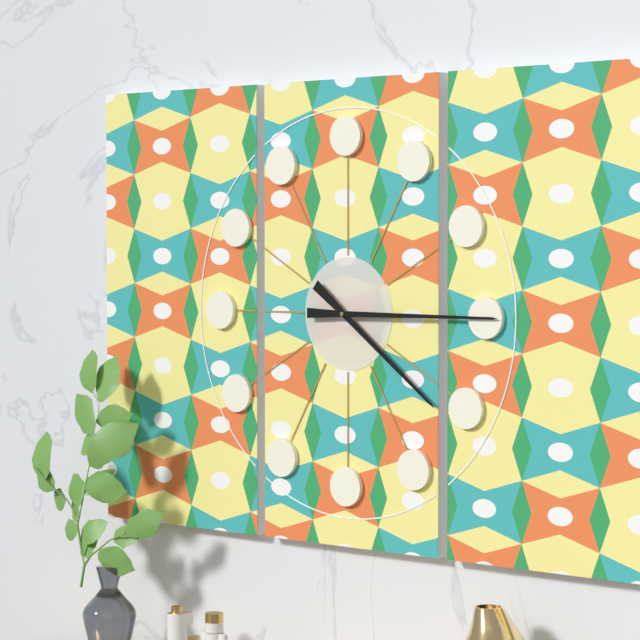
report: 4,15
